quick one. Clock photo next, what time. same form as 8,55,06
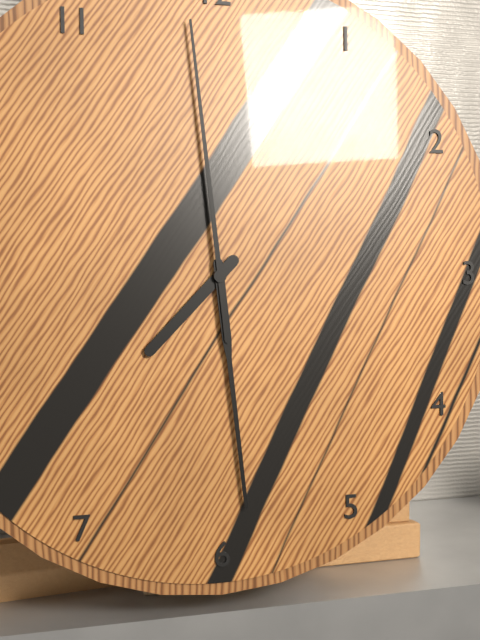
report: 7,29,59
